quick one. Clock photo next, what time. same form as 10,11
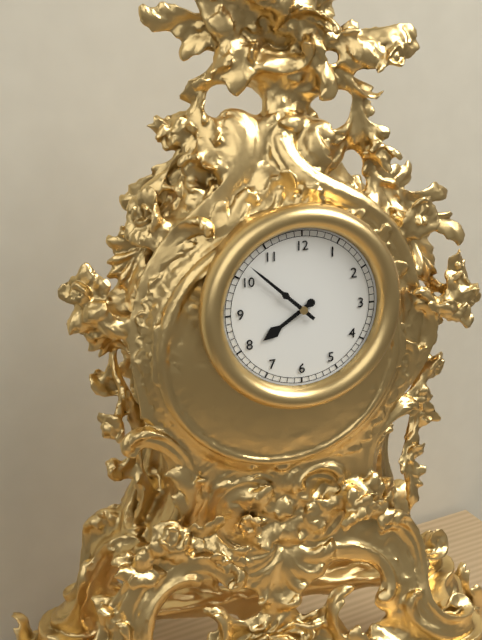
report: 7,52
